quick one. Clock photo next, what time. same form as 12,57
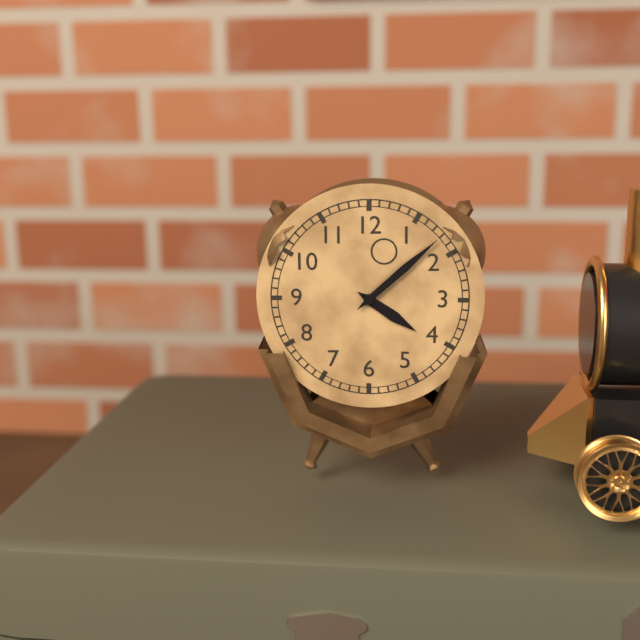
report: 4,08
